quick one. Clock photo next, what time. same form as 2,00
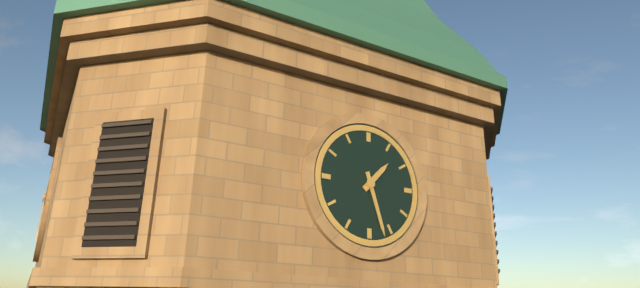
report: 1,27
